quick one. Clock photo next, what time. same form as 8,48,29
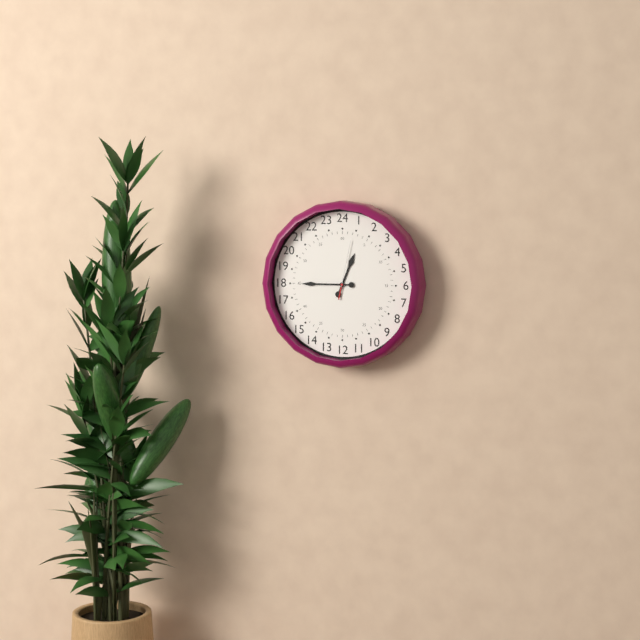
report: 12,45,02
